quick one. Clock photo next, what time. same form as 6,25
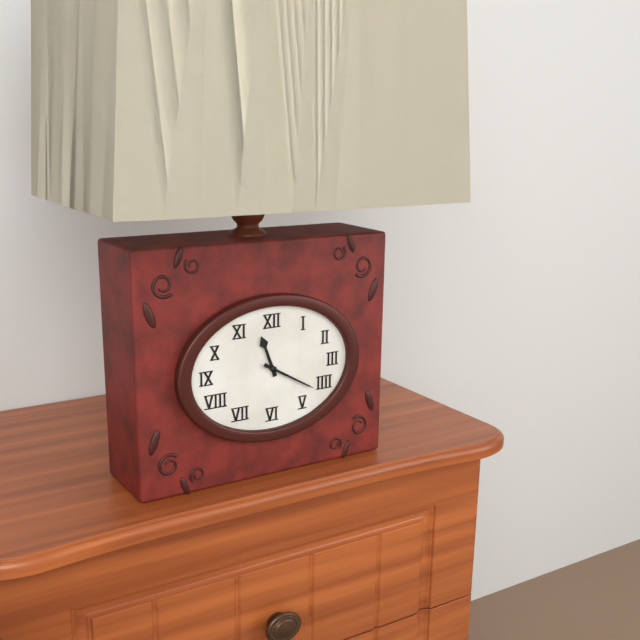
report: 11,20
